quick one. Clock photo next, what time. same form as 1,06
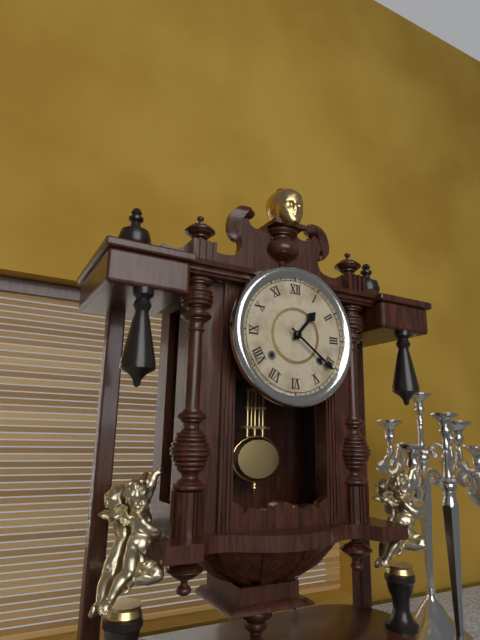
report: 1,21
